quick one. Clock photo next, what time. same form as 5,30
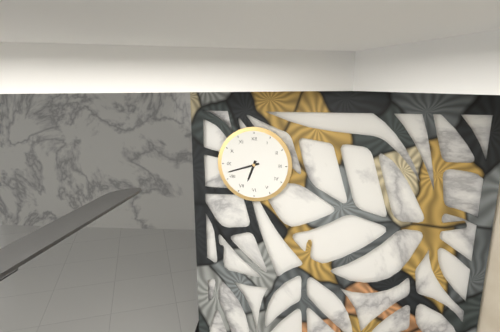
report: 6,42
